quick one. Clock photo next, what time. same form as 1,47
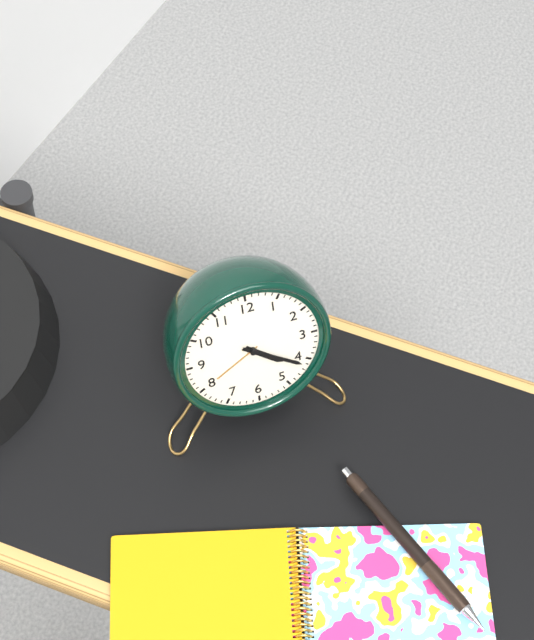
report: 4,21
